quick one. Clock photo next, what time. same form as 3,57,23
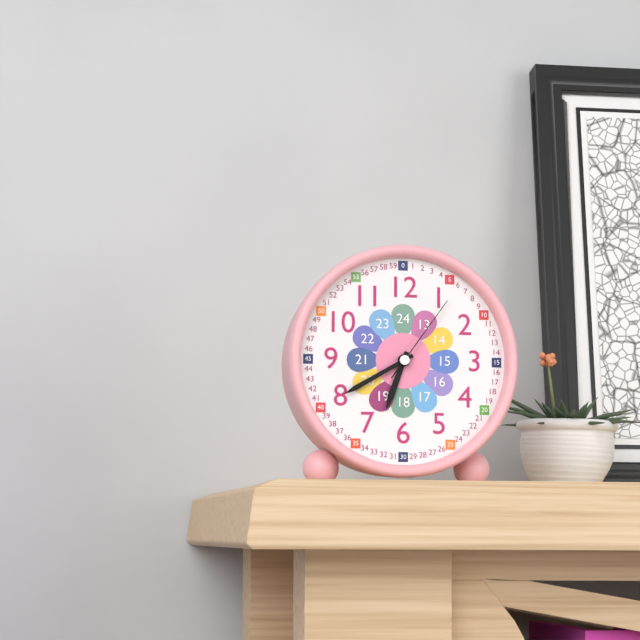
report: 6,40,06
